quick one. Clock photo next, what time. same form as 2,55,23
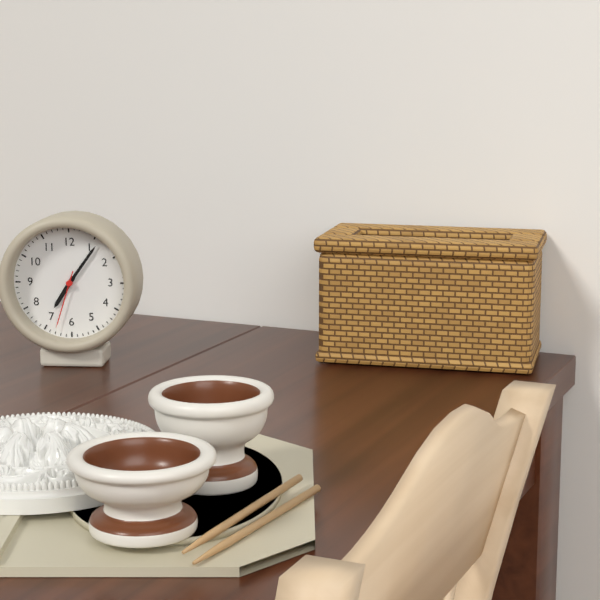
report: 7,06,33
